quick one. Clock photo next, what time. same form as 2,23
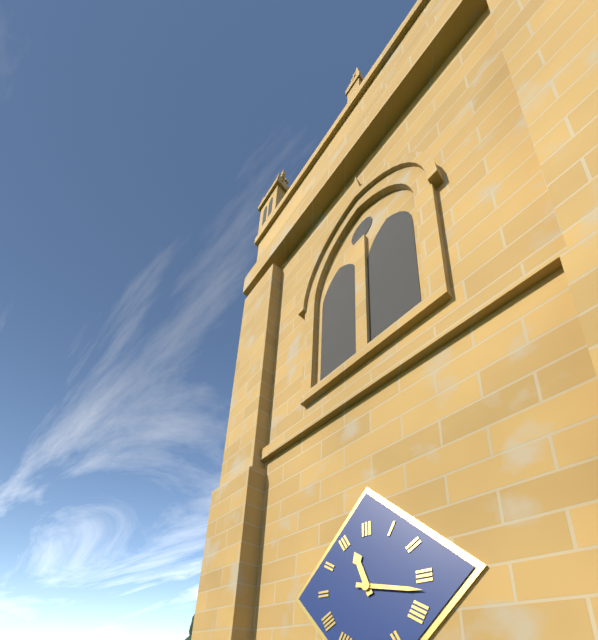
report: 11,17
